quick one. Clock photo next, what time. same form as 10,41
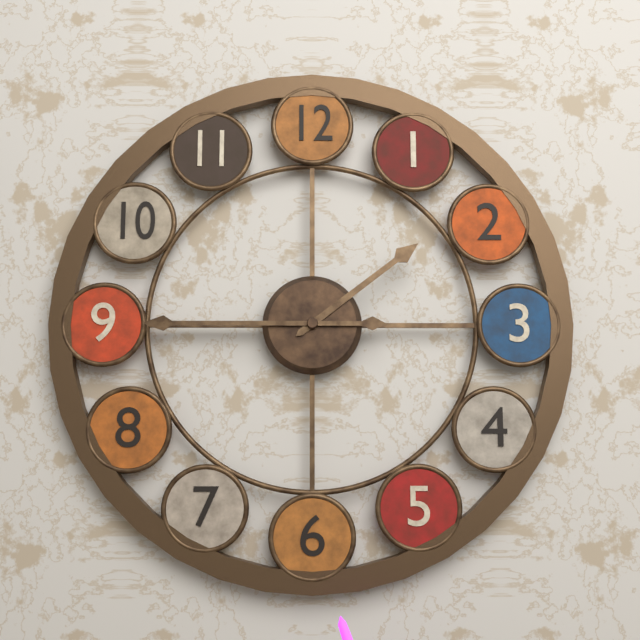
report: 1,45
